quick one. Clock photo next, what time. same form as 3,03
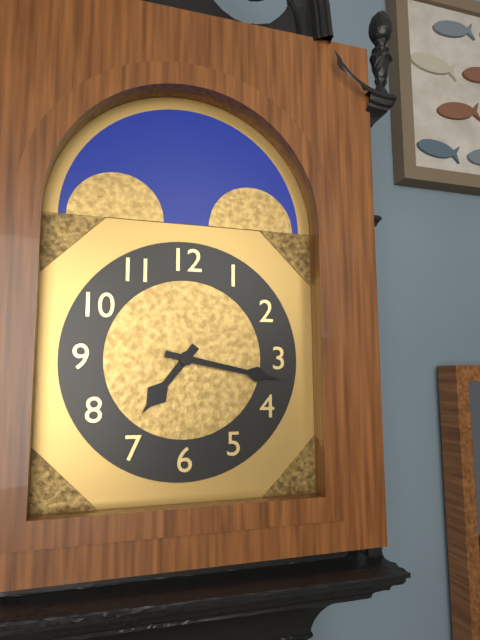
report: 7,17
